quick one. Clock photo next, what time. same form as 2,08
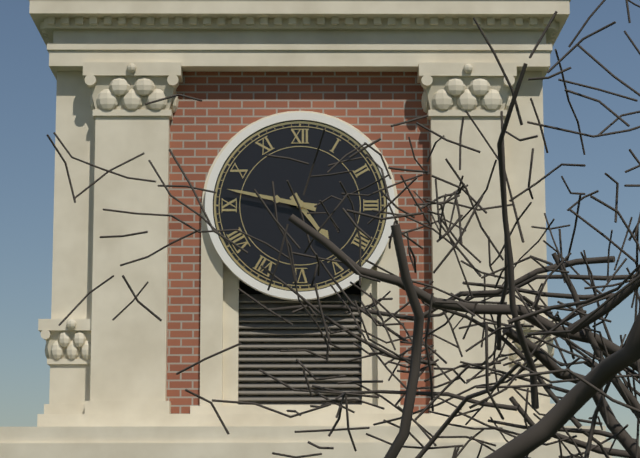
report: 4,47
